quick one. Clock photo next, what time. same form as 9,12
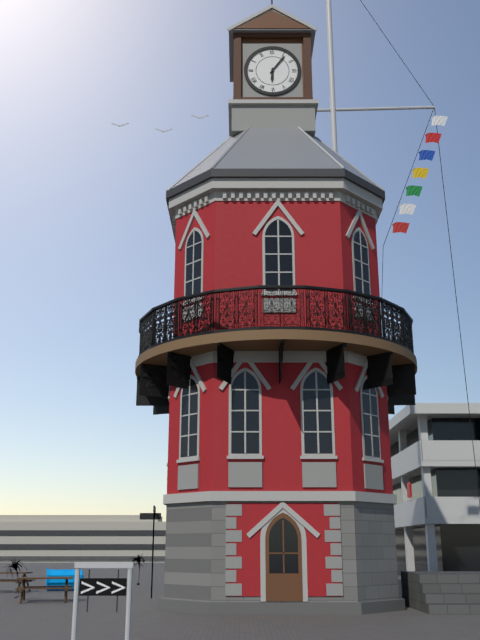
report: 6,06
